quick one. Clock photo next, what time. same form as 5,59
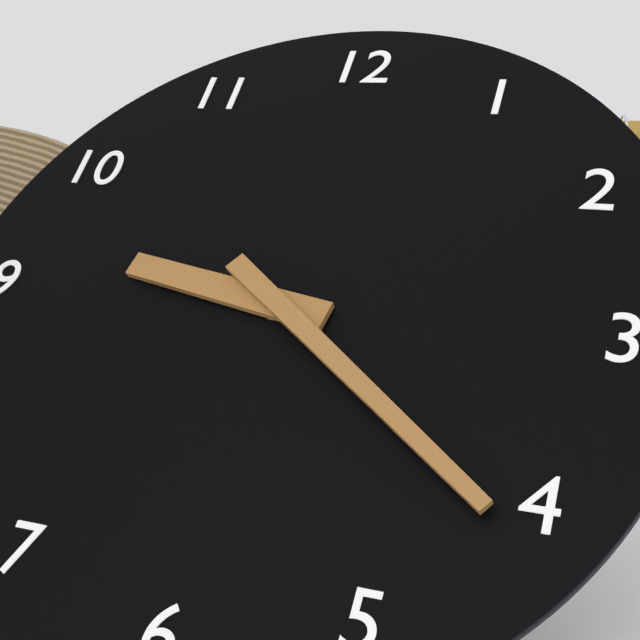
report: 9,21
